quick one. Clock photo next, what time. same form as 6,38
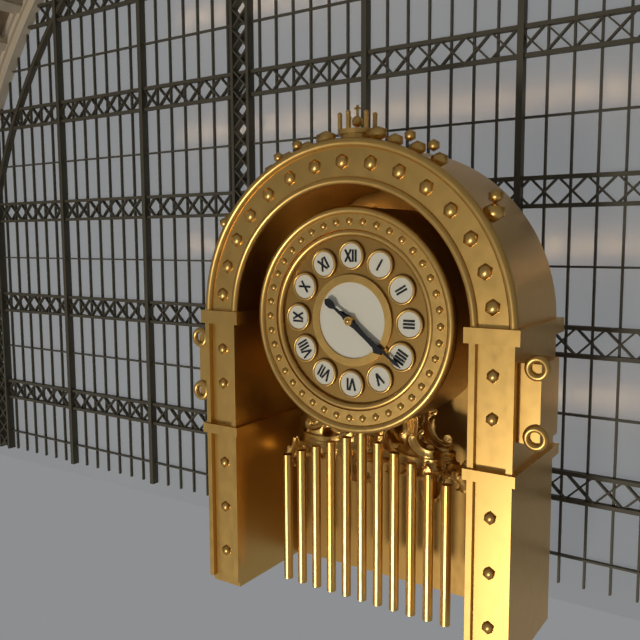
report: 4,21
